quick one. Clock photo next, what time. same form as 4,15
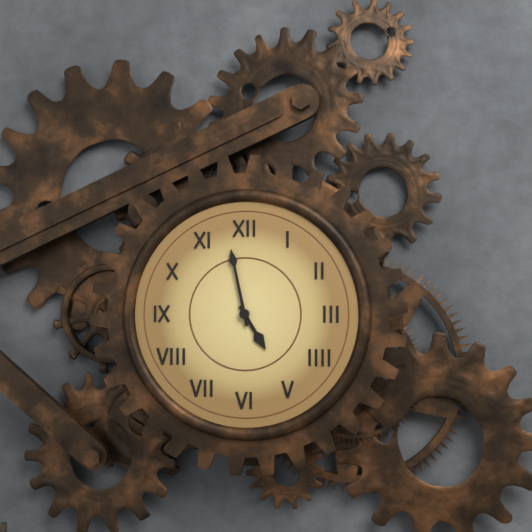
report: 4,58
